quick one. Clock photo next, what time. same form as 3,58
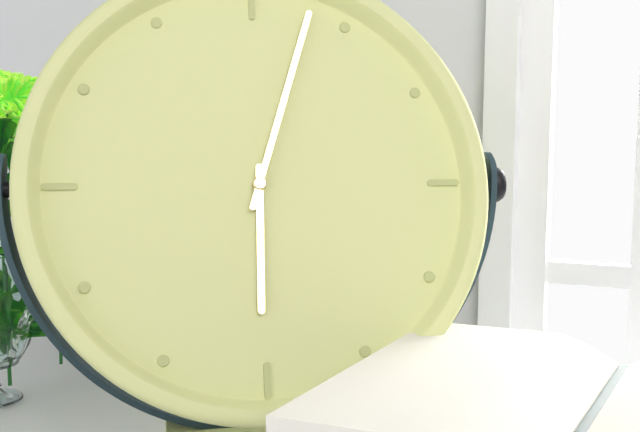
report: 6,03
